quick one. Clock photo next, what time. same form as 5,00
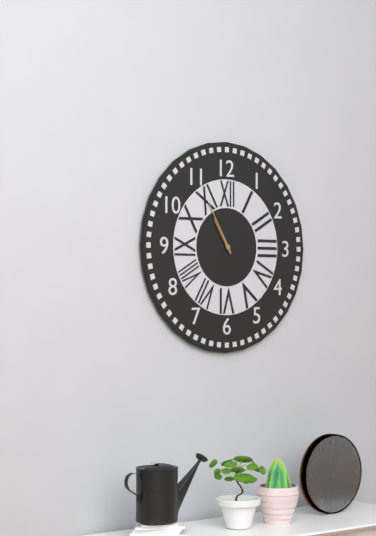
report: 10,55
